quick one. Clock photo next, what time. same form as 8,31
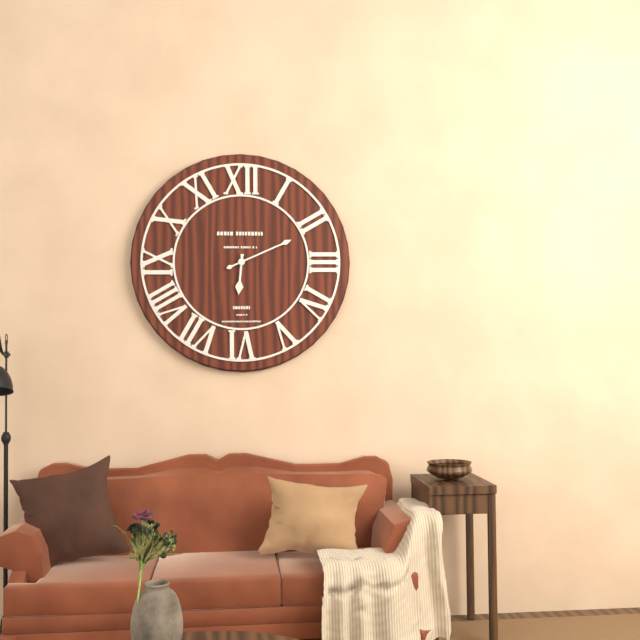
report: 6,11
